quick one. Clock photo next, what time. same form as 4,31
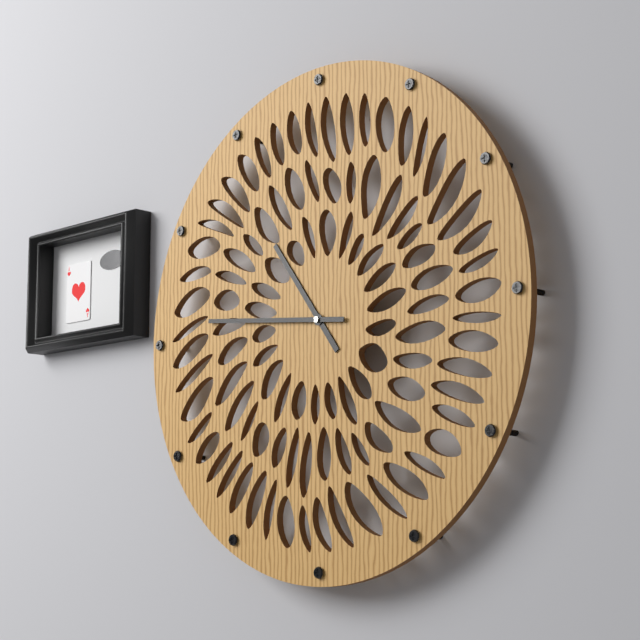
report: 10,46
